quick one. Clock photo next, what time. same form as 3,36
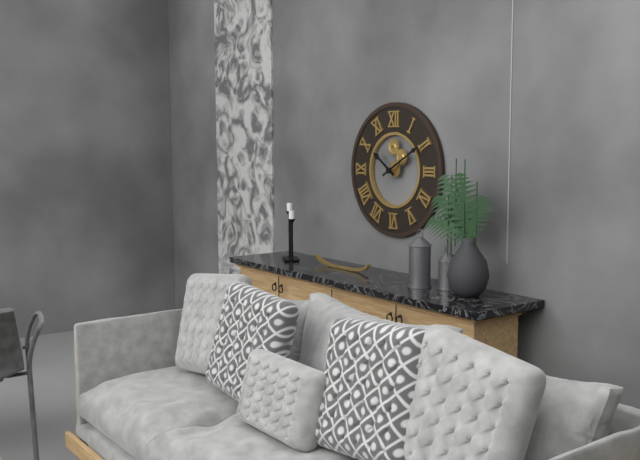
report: 10,10
